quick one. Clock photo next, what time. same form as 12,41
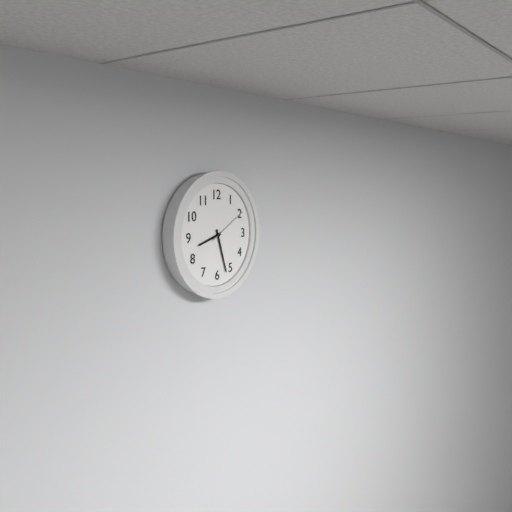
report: 8,27
